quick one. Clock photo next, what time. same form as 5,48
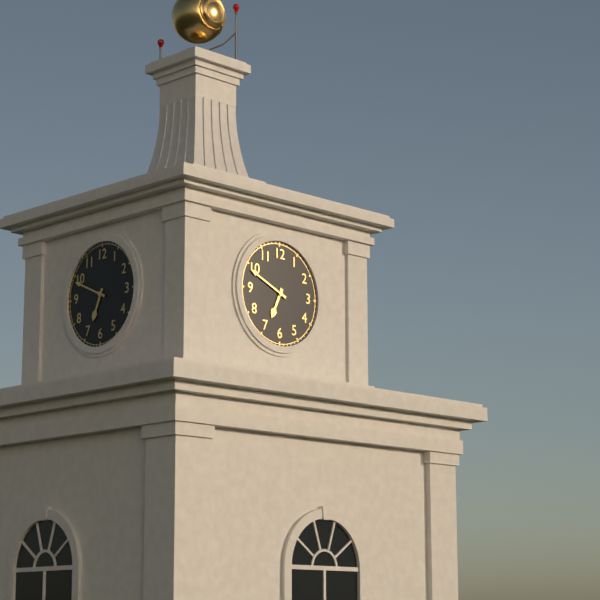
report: 6,49
